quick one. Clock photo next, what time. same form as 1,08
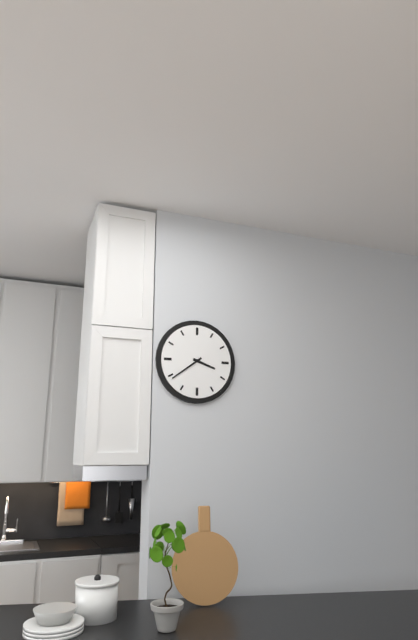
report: 3,39
